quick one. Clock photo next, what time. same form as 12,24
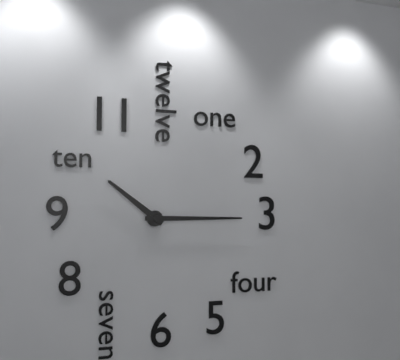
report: 10,15
